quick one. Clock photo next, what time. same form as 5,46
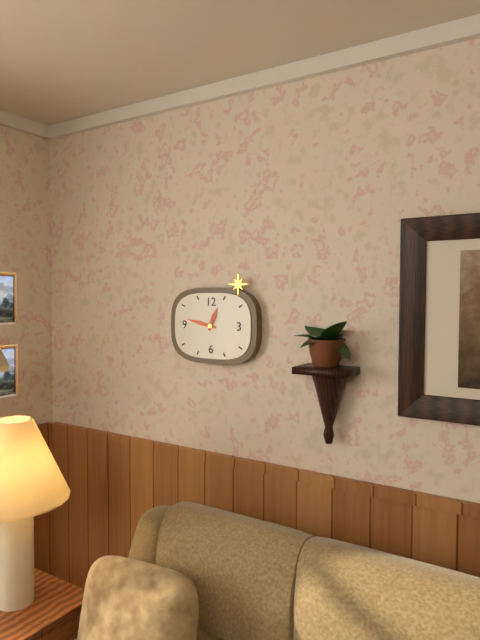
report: 12,47
